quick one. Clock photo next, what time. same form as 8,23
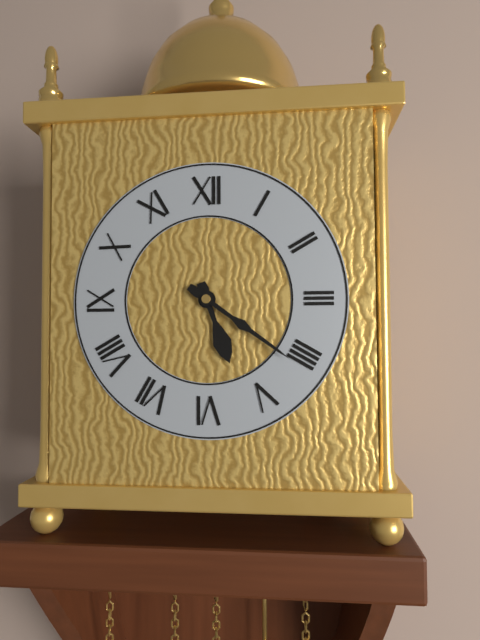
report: 5,21
